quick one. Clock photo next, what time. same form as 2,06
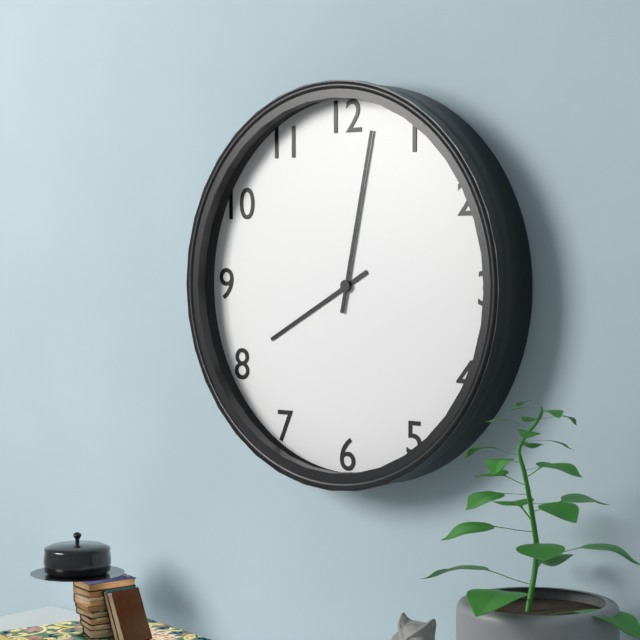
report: 8,02
